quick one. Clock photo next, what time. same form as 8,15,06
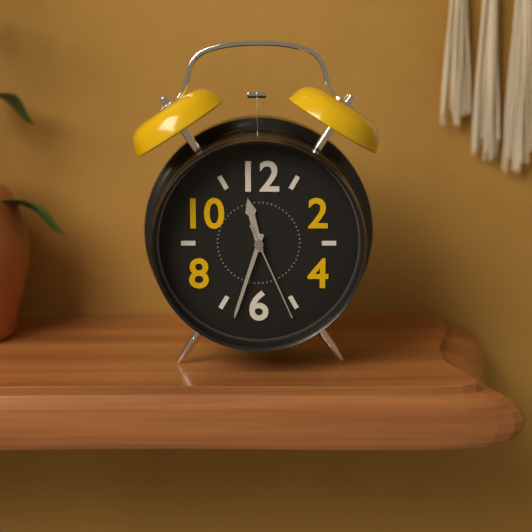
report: 11,33,26
